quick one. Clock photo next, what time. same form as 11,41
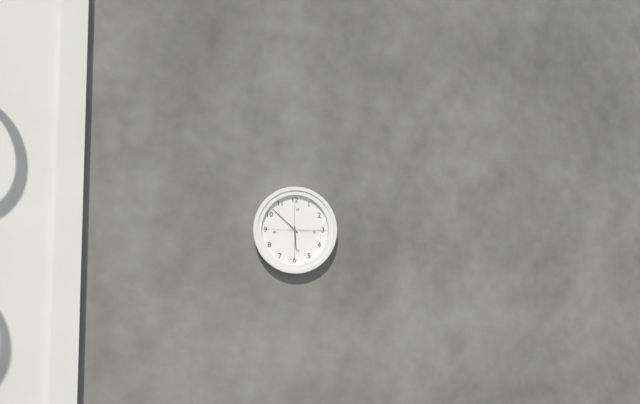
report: 5,52
